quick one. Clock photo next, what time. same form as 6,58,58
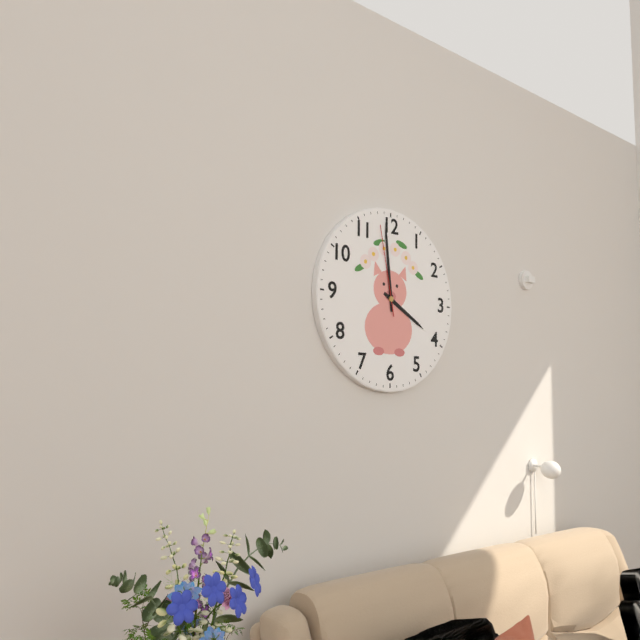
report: 3,59,58
